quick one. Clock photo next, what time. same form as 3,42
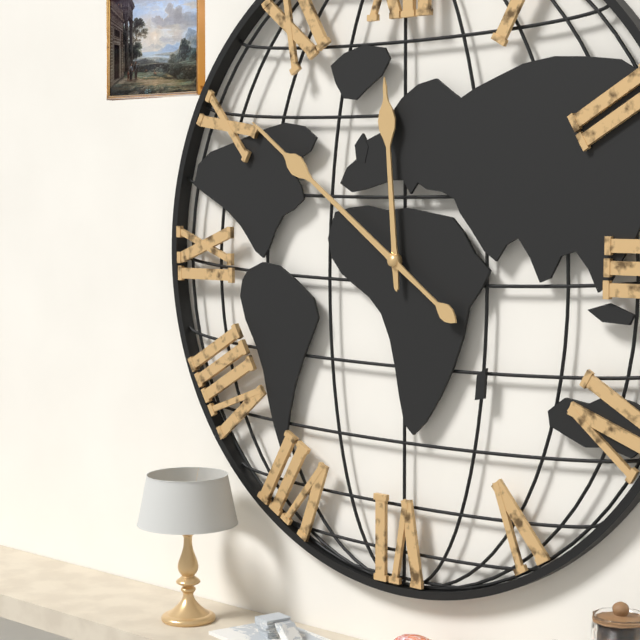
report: 11,51
